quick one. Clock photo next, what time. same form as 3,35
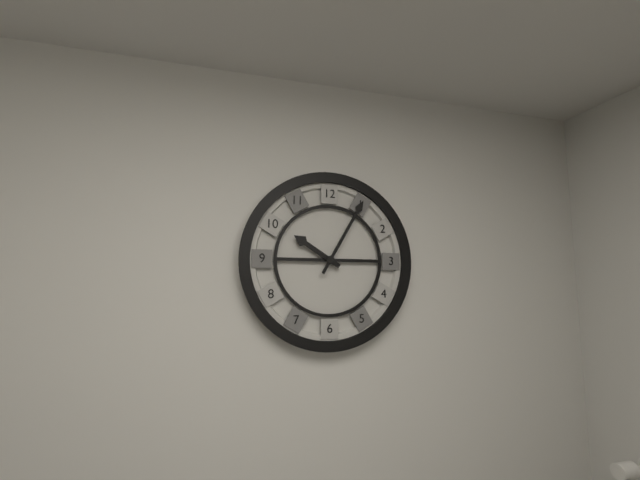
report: 10,05
